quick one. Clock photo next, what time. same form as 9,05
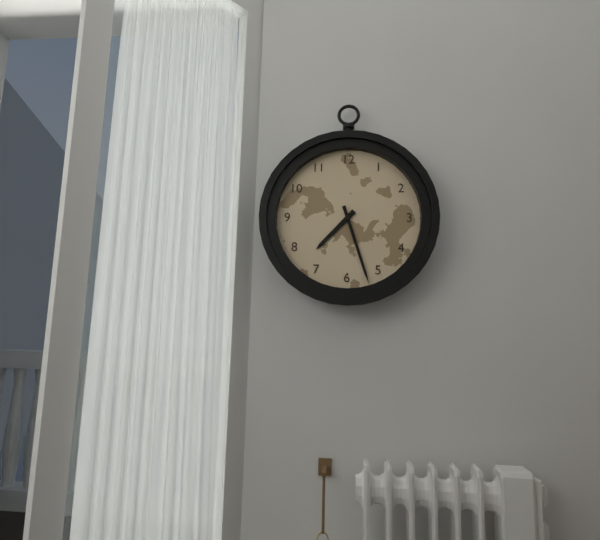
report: 7,27
